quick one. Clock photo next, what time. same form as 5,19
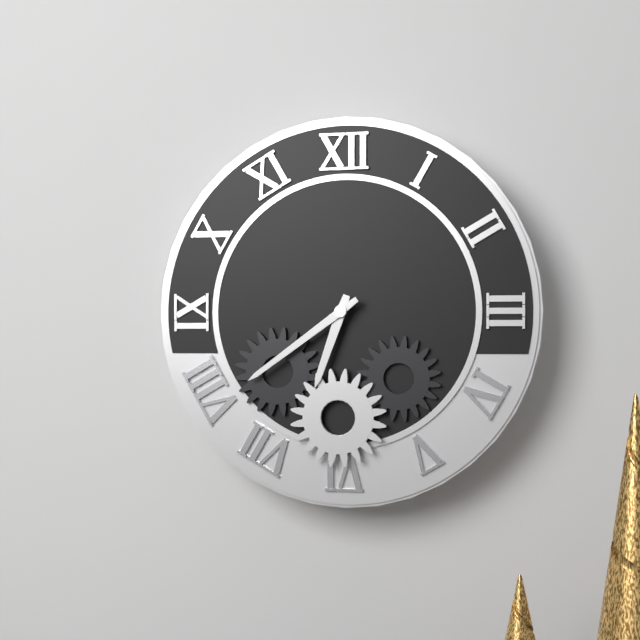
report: 6,39
